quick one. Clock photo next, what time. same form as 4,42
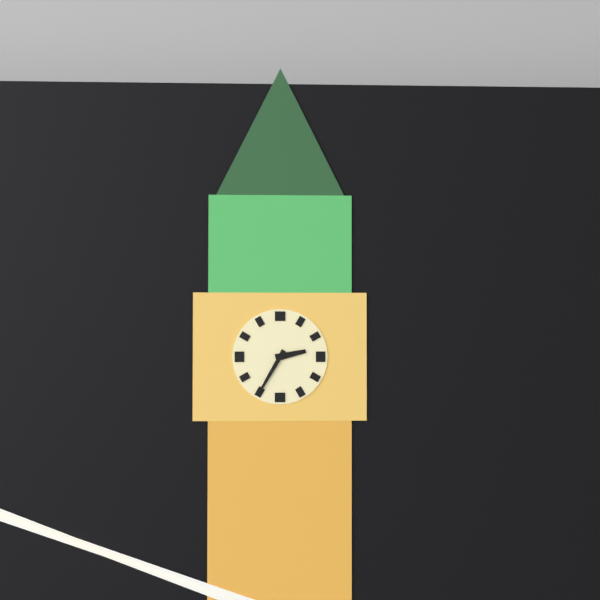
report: 2,35
